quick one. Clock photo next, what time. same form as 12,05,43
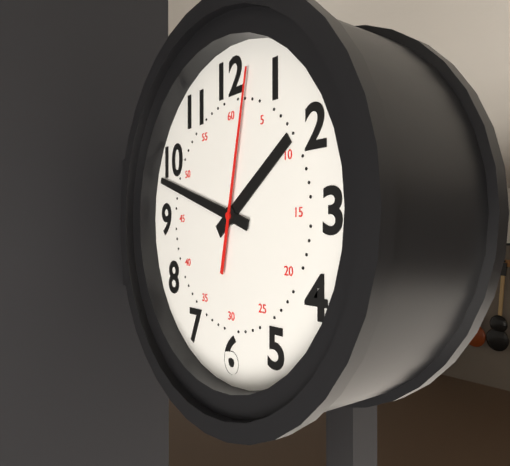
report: 1,48,02
